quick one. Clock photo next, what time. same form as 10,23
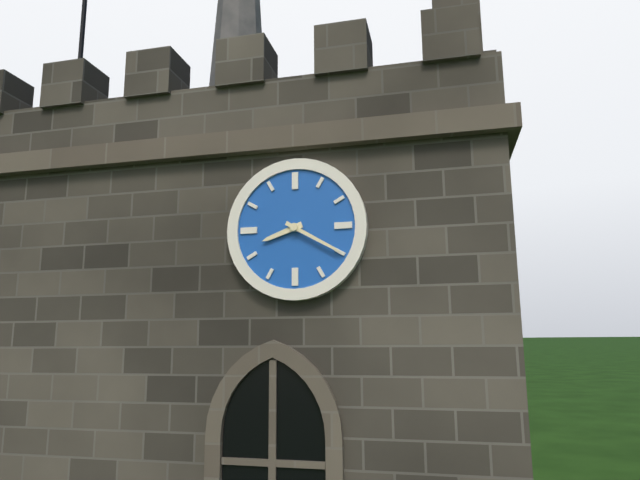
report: 8,20
